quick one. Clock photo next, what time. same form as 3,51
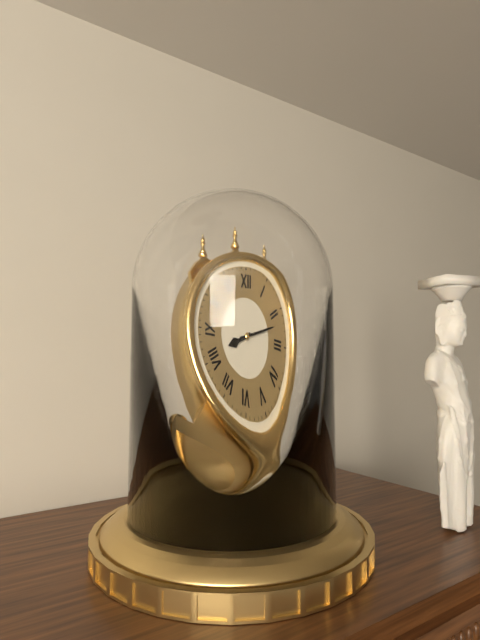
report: 8,12
